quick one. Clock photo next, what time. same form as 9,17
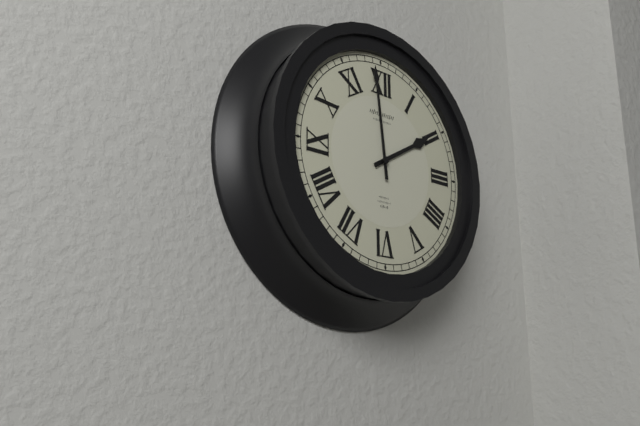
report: 1,59
